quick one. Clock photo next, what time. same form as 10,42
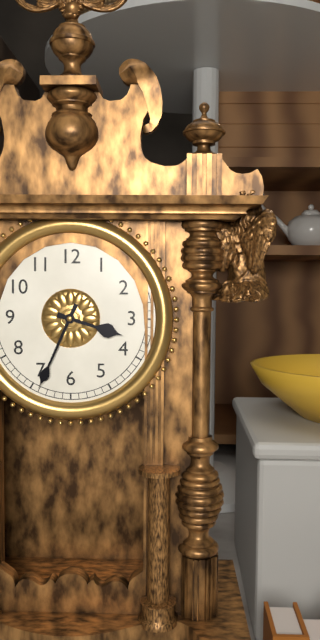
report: 3,34
